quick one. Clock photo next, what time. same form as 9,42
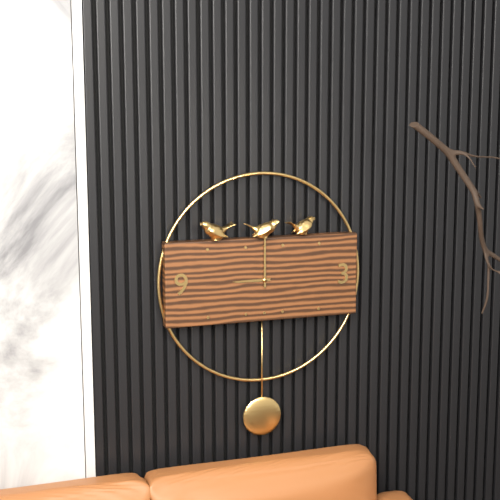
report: 9,00
